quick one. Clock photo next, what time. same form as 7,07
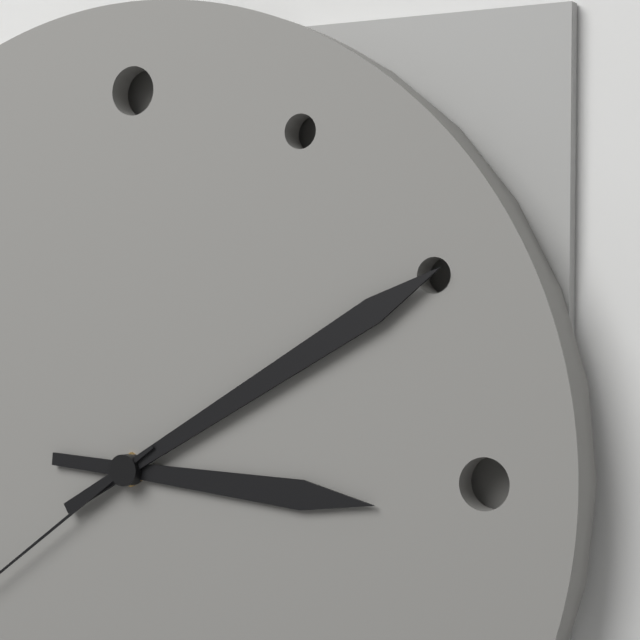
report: 3,10
